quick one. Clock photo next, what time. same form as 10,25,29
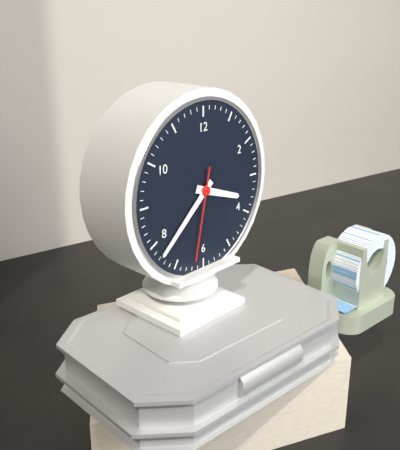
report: 3,38,32
